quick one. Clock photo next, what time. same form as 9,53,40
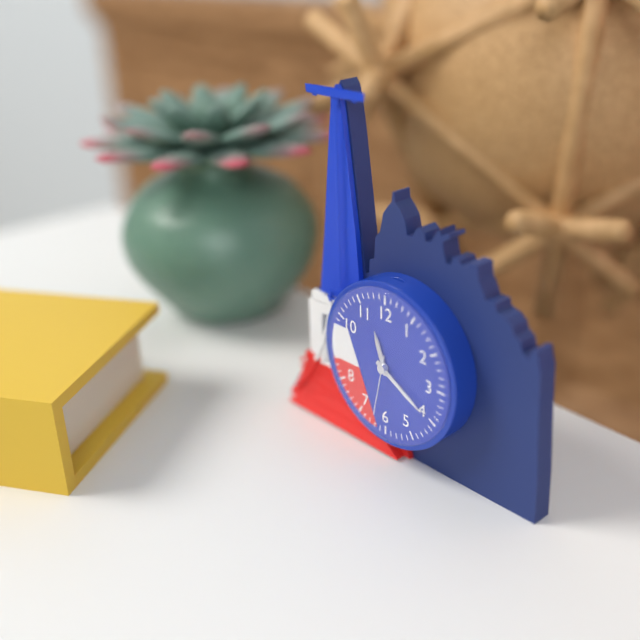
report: 11,20,32
